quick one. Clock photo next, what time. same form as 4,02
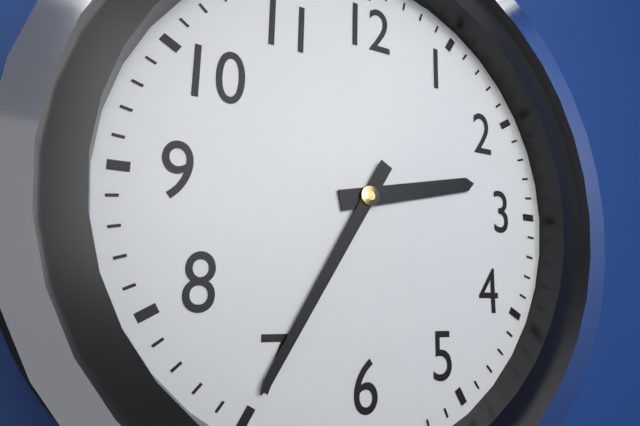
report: 2,35
